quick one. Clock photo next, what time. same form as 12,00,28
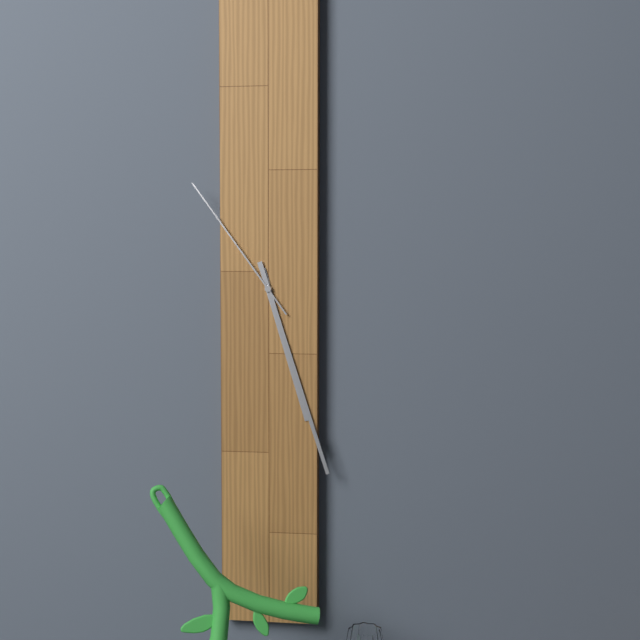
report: 5,27,54
